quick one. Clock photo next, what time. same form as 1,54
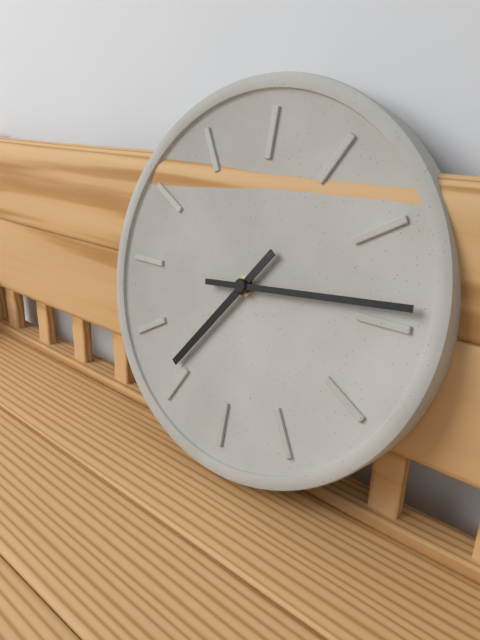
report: 7,14
